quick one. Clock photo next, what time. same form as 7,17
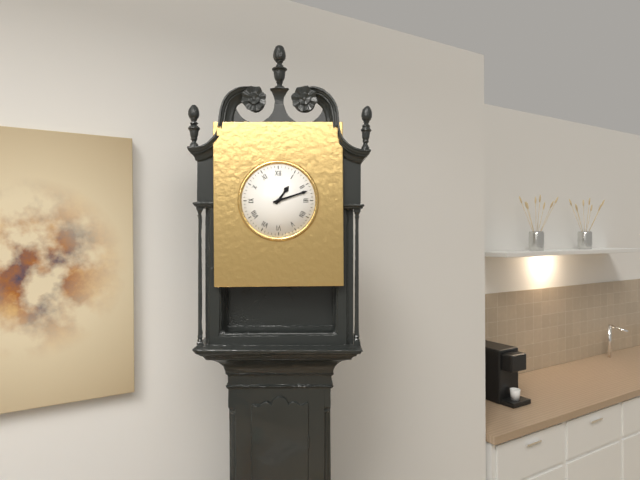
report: 1,12
